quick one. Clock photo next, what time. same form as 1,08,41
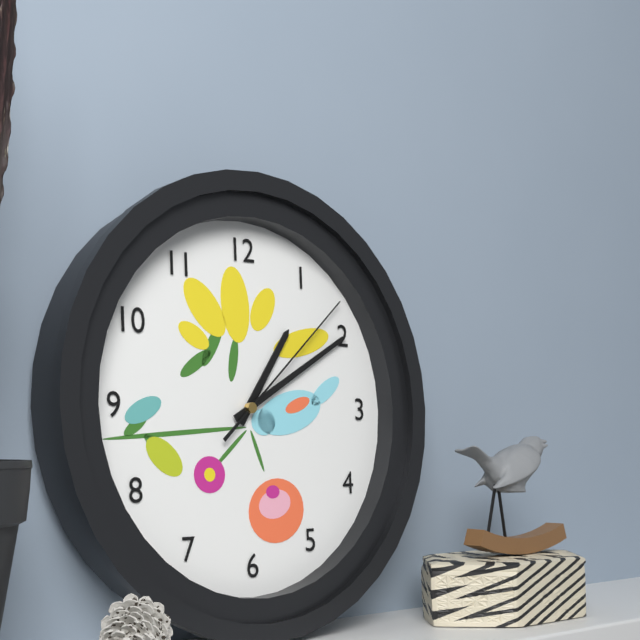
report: 1,10,08
